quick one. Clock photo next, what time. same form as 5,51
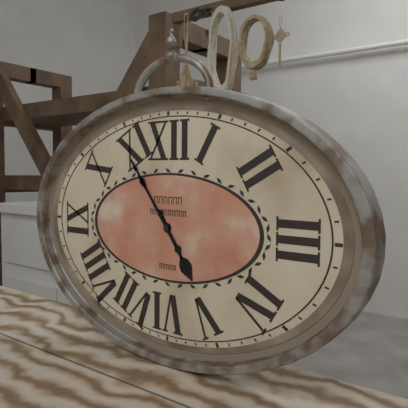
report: 4,54
